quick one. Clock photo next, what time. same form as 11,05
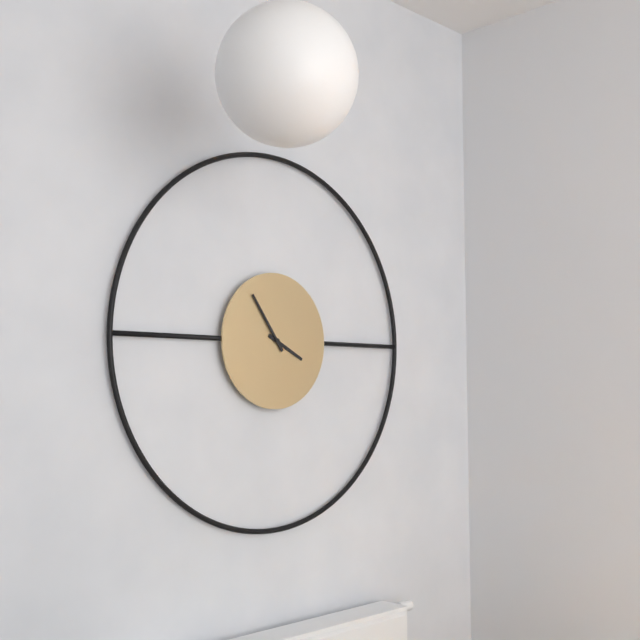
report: 3,54
